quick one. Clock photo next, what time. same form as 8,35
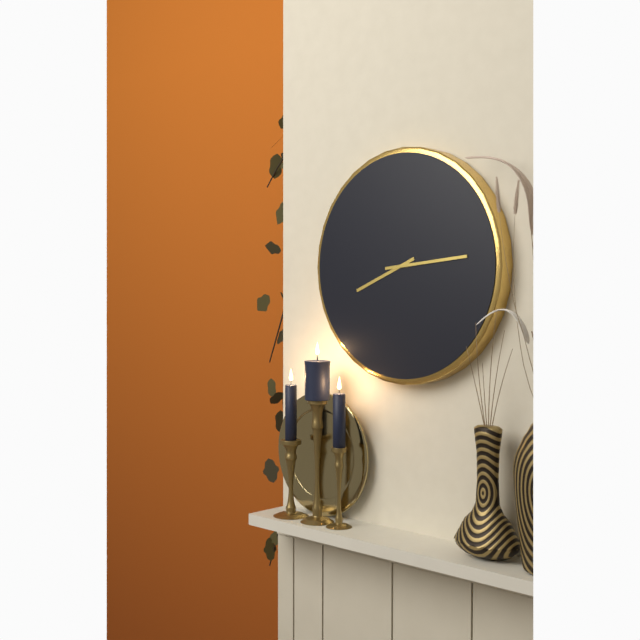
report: 8,14
